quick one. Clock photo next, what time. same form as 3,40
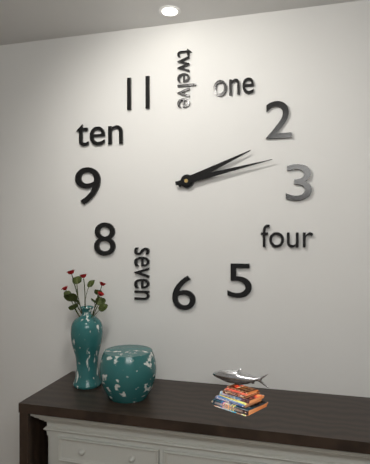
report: 2,13
